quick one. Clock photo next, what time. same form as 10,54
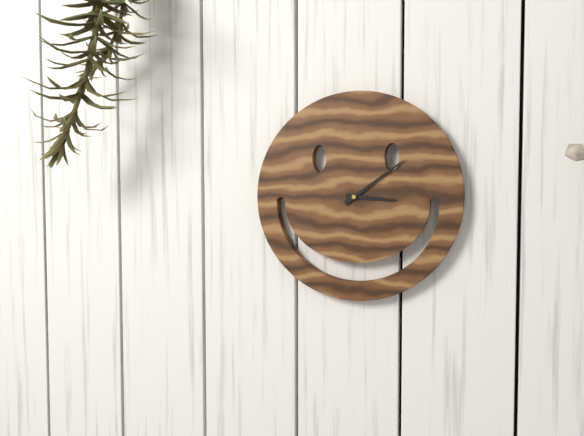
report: 3,09
